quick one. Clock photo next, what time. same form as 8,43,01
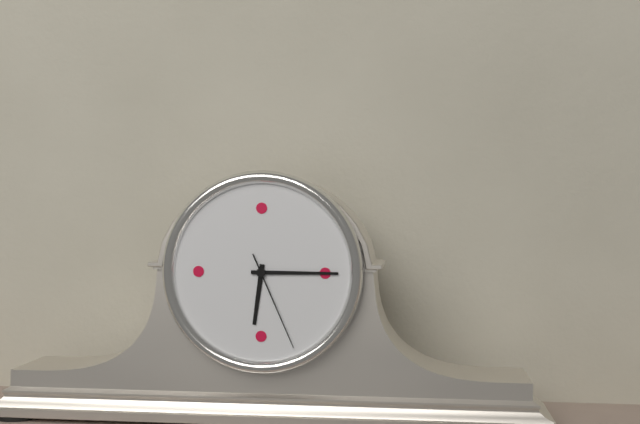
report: 6,15,26
